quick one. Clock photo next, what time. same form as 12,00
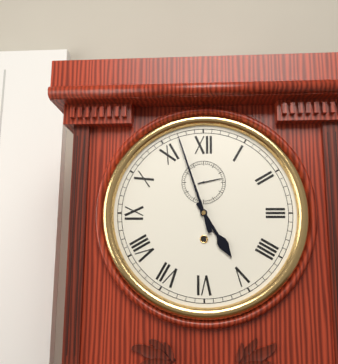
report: 4,57
